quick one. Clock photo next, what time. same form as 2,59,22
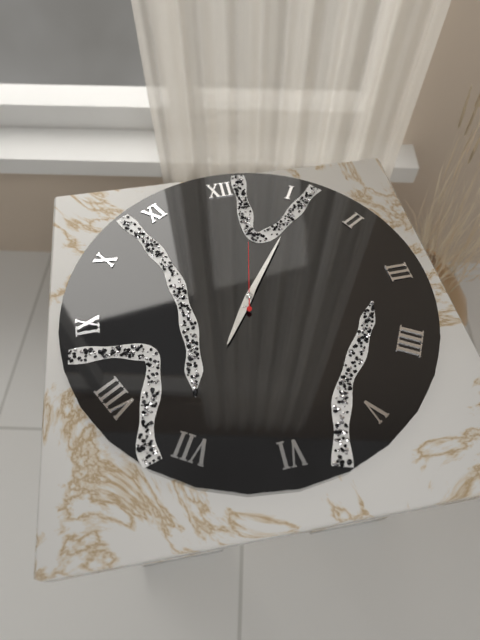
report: 7,06,02
